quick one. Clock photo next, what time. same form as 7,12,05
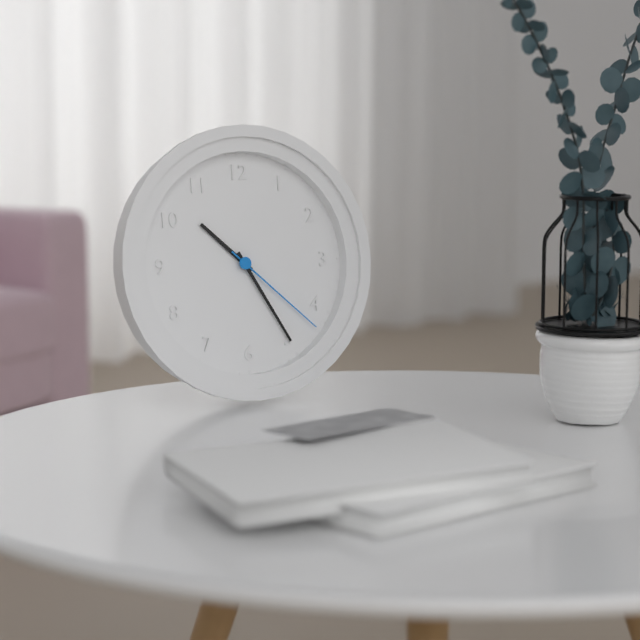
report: 10,25,22
